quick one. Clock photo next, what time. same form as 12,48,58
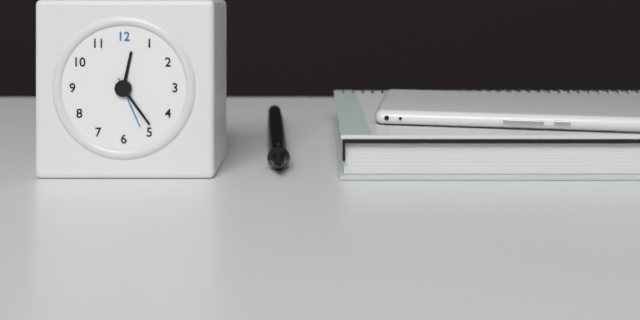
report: 12,24,26
